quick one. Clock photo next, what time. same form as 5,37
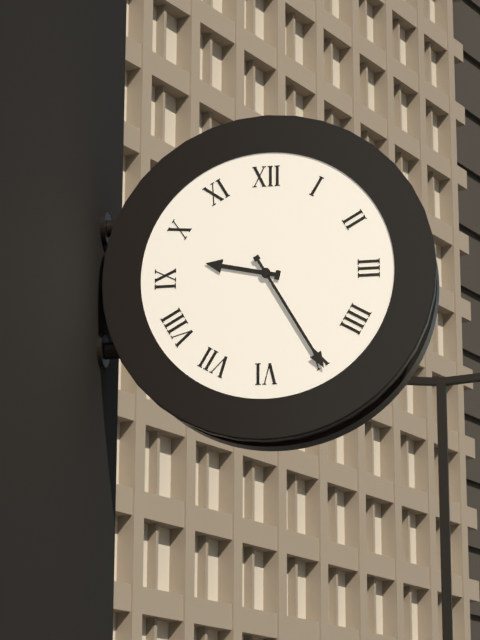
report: 9,25
